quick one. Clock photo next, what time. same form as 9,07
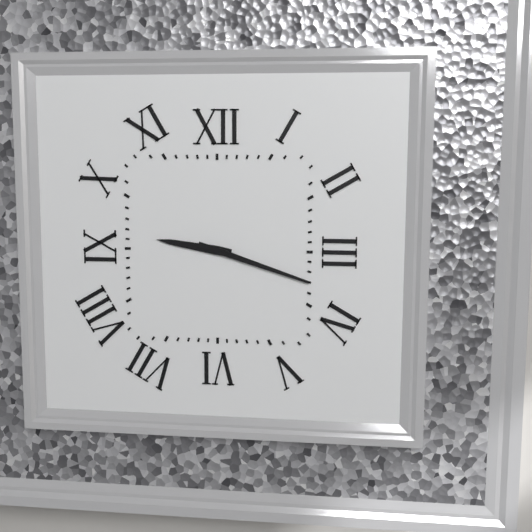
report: 9,18
